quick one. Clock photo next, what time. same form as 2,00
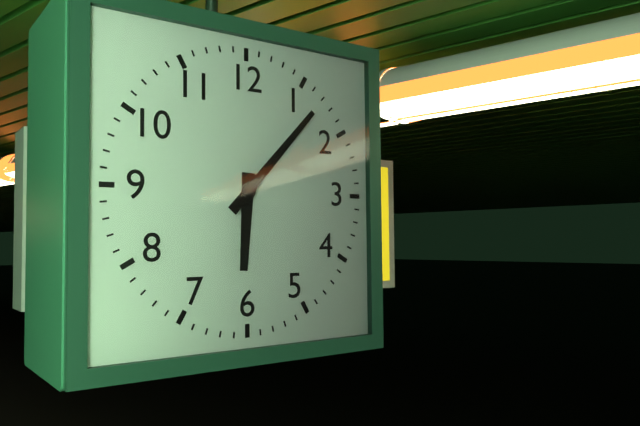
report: 6,07
